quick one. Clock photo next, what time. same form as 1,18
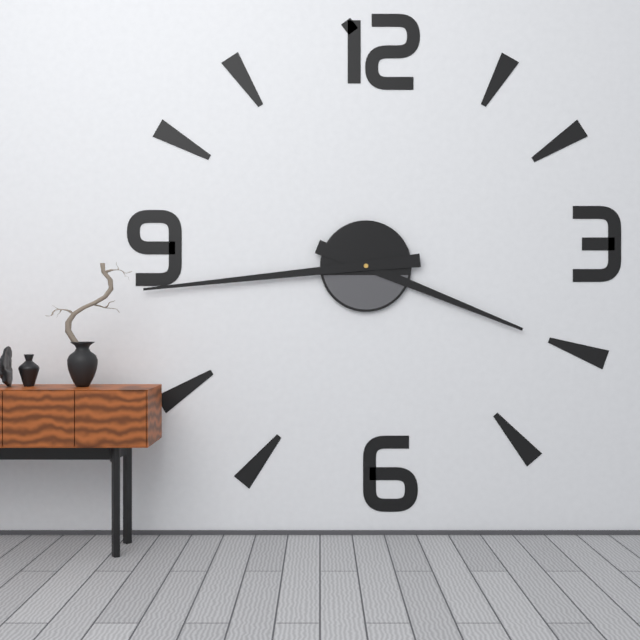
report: 3,44
